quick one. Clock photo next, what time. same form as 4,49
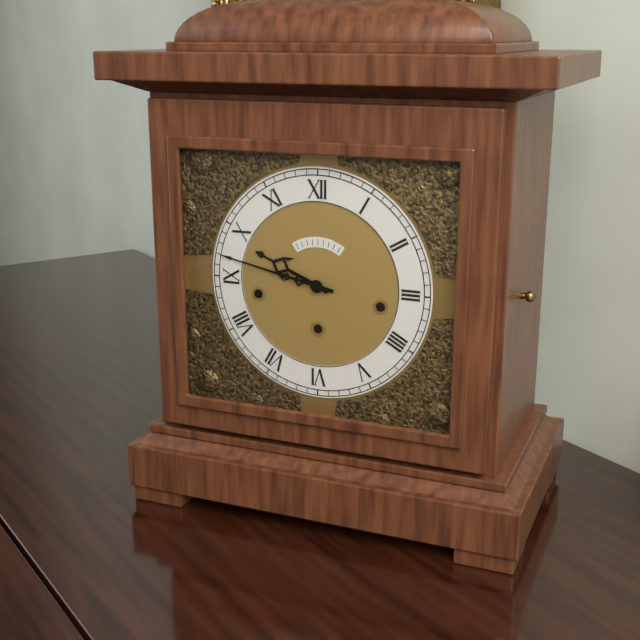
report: 9,47
